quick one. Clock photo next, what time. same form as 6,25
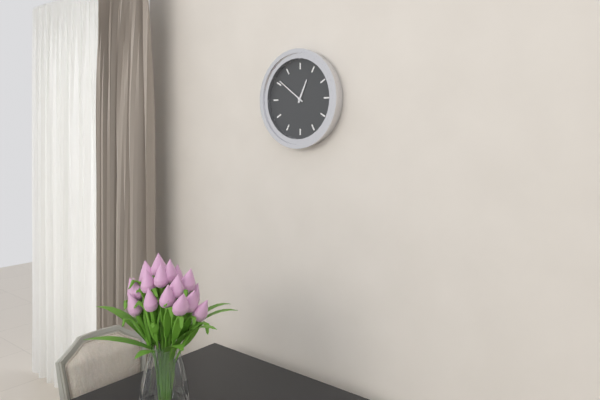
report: 12,51
